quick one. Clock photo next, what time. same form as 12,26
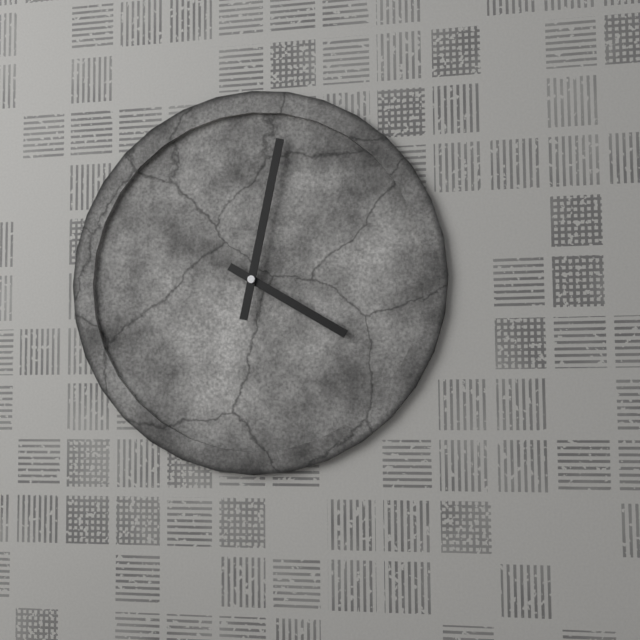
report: 4,02
